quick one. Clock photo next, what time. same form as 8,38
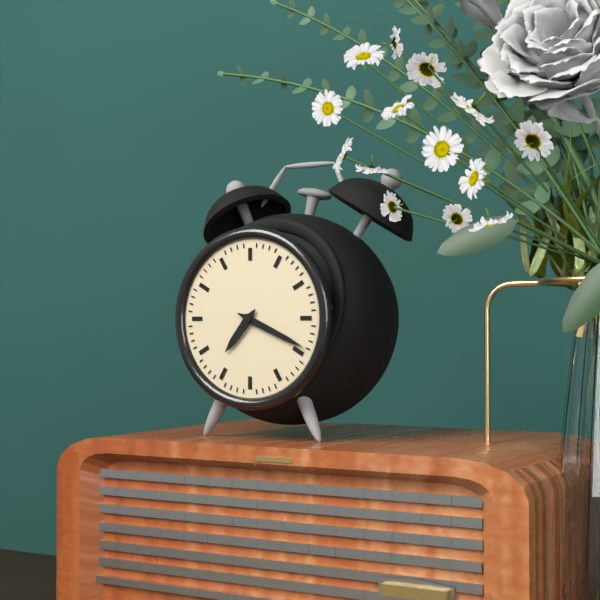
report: 7,19
